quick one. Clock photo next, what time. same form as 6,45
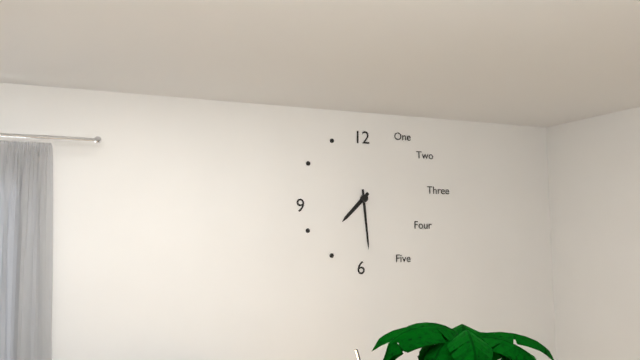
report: 7,29
